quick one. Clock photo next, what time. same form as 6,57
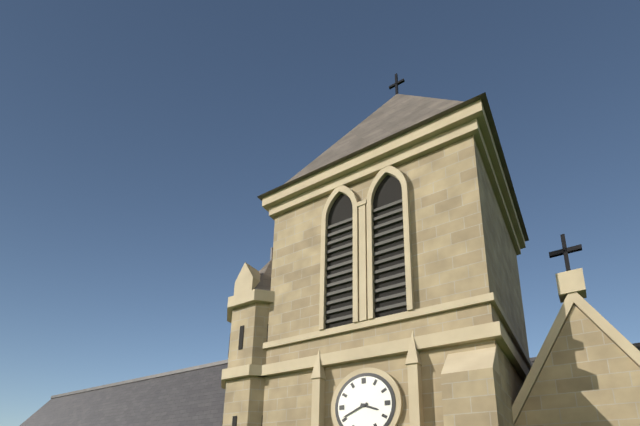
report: 3,41
